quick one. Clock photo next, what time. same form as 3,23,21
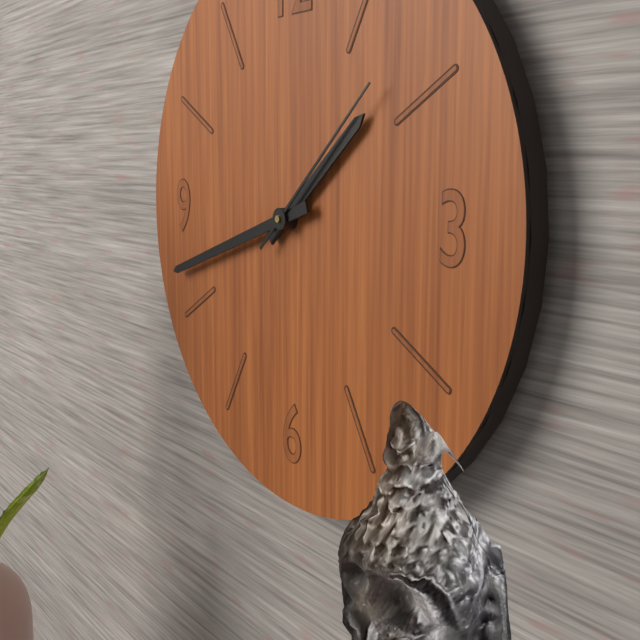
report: 1,42,08
